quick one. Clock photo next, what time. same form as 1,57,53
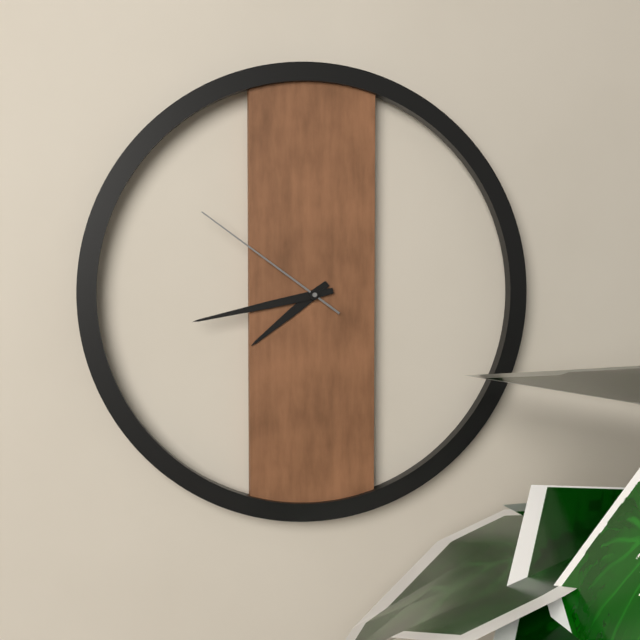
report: 7,43,51
